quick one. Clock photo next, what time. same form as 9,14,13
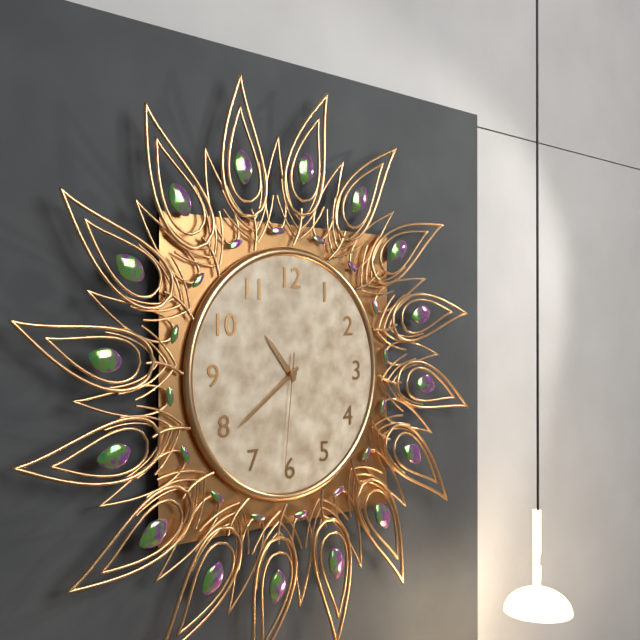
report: 10,39,31
